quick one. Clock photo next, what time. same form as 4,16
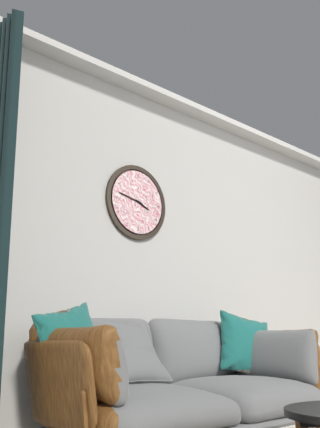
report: 3,47
